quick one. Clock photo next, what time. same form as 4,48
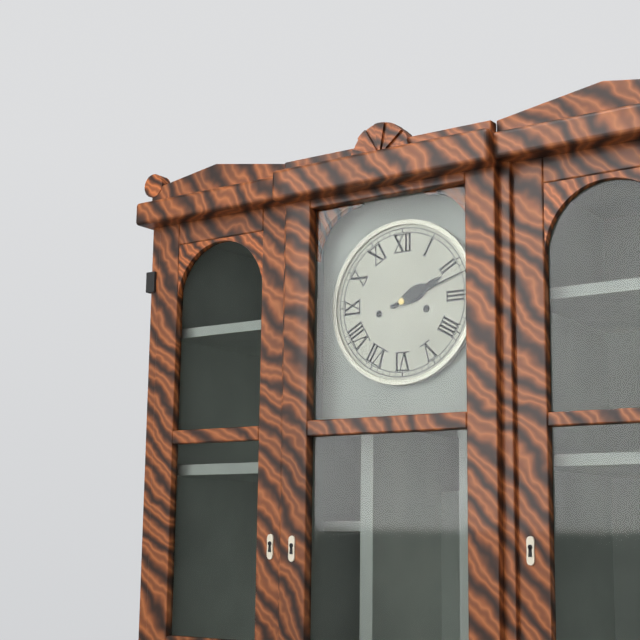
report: 2,12
